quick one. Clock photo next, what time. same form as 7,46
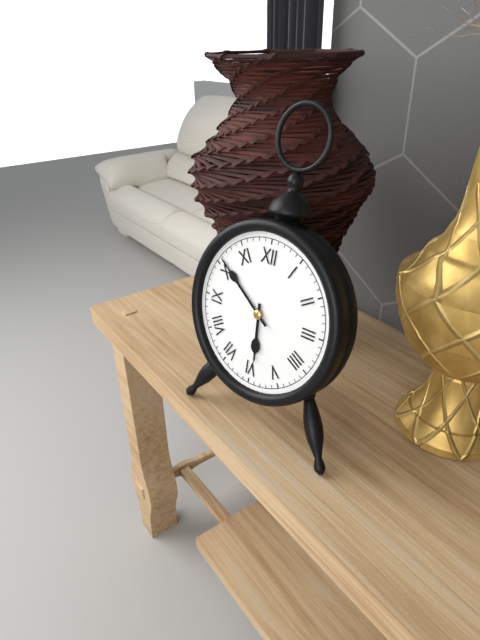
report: 5,51
